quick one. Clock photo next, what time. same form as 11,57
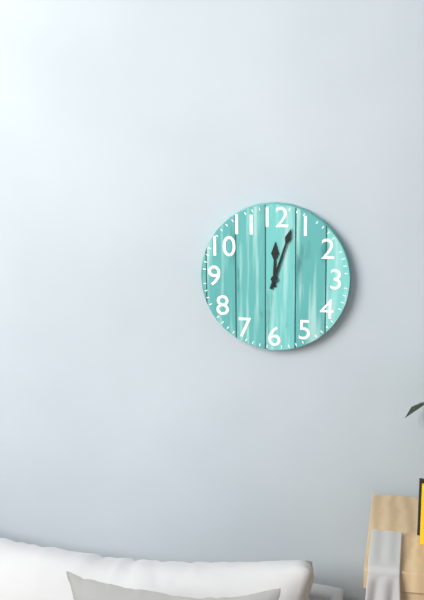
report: 12,03
